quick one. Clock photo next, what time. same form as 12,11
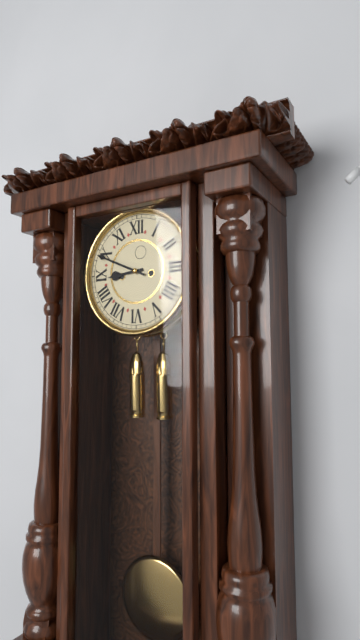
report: 8,49
